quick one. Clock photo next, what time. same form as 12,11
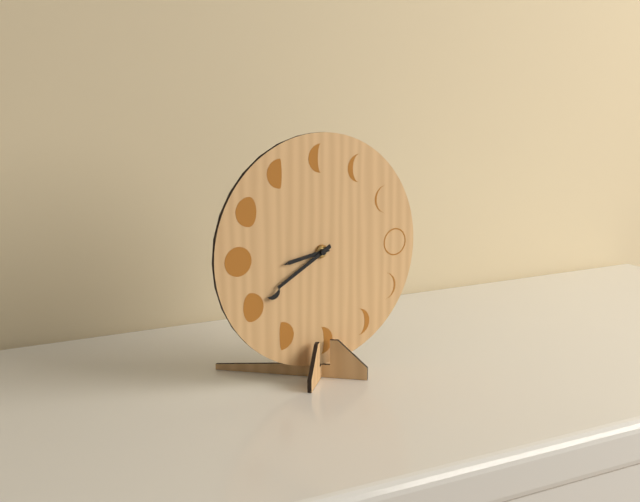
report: 8,40
